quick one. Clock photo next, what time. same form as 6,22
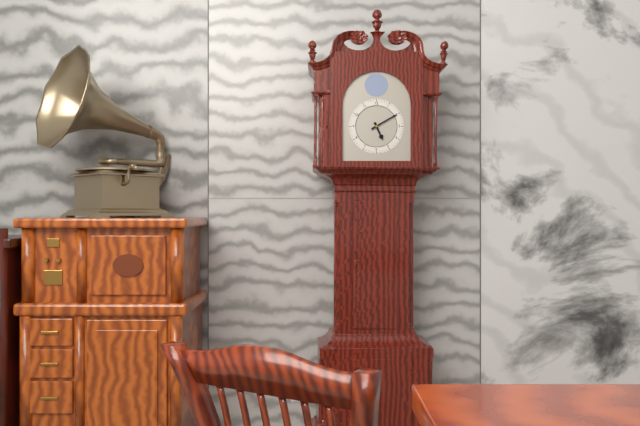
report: 5,10
